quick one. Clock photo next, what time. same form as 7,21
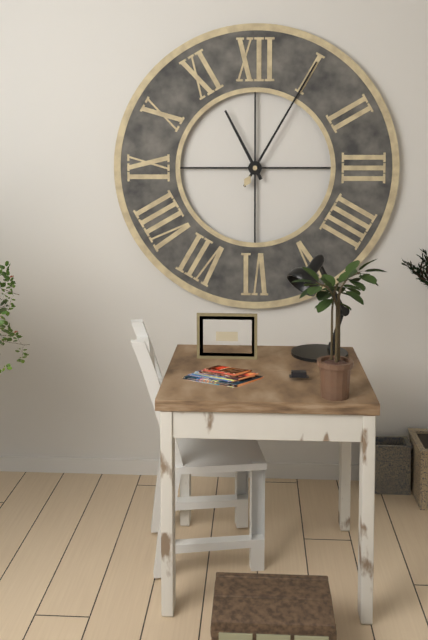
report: 11,05
